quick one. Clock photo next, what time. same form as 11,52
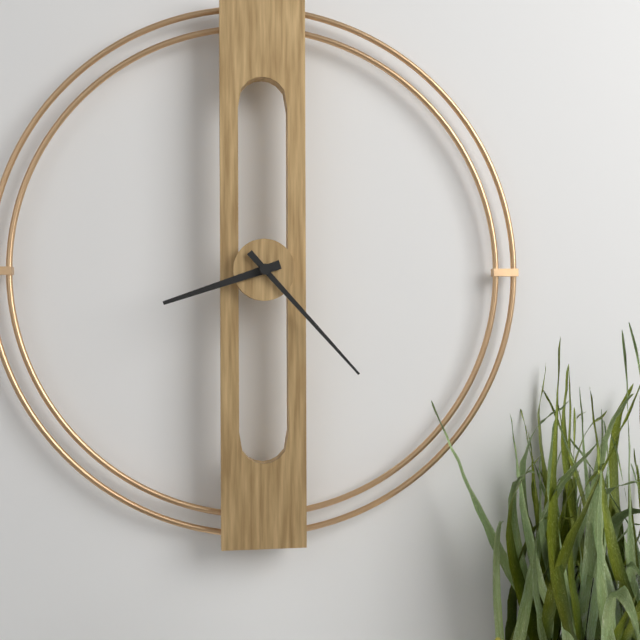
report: 8,23
